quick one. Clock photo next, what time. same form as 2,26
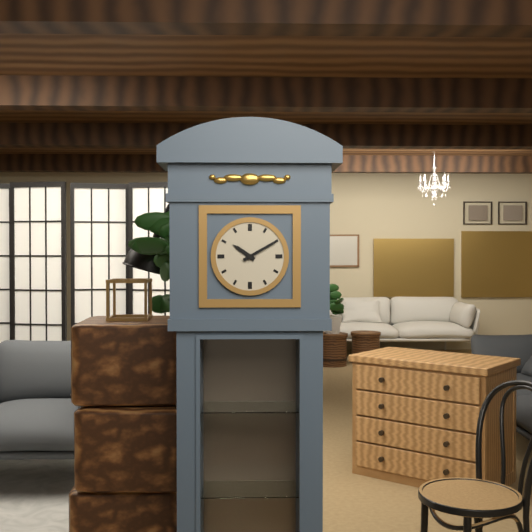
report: 10,10
